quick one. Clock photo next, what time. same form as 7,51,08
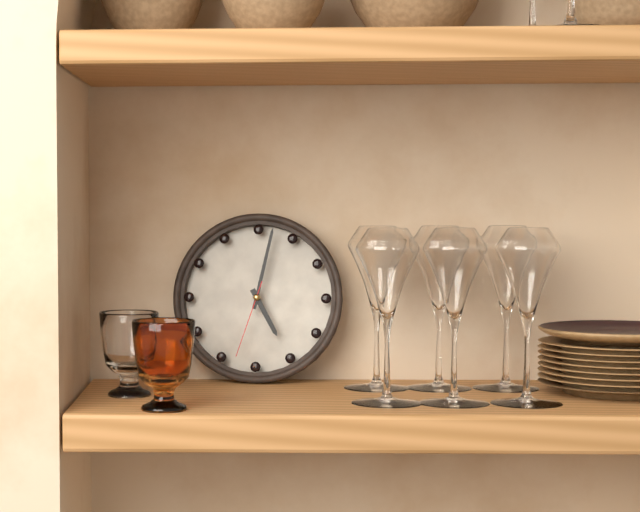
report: 5,02,33
